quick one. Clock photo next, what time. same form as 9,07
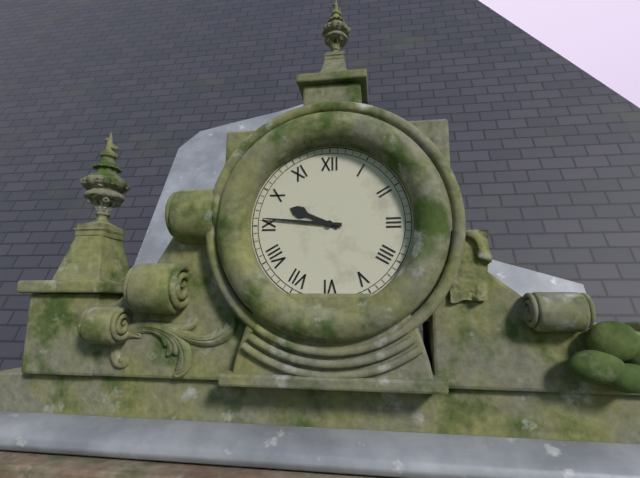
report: 9,46
